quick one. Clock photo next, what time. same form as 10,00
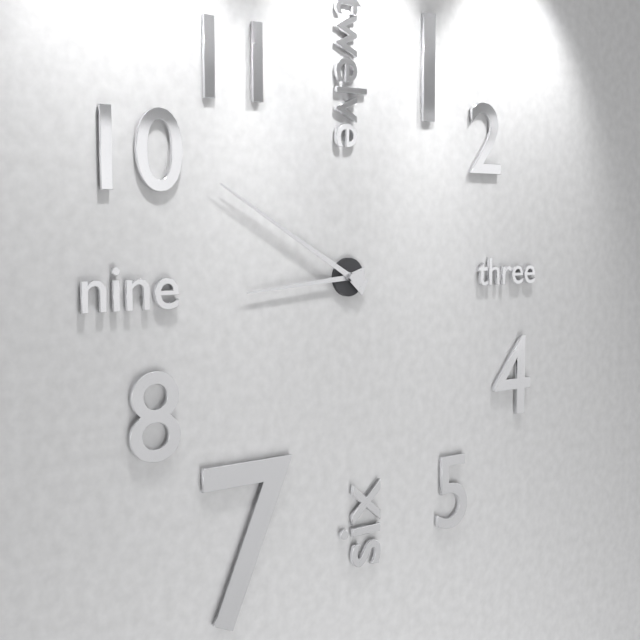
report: 8,50
